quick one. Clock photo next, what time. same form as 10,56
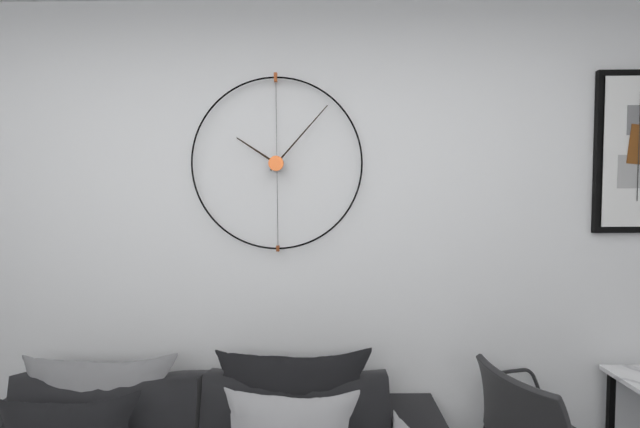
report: 10,07
